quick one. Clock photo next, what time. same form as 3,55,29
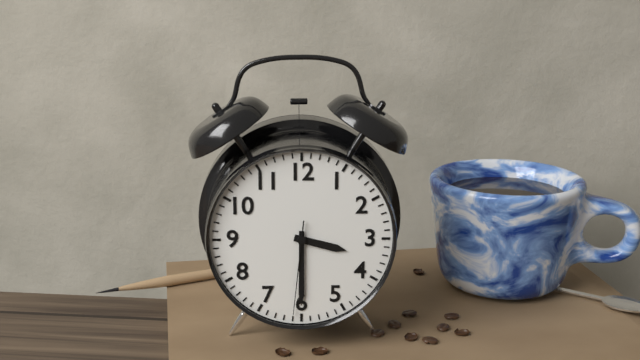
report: 3,30,31
